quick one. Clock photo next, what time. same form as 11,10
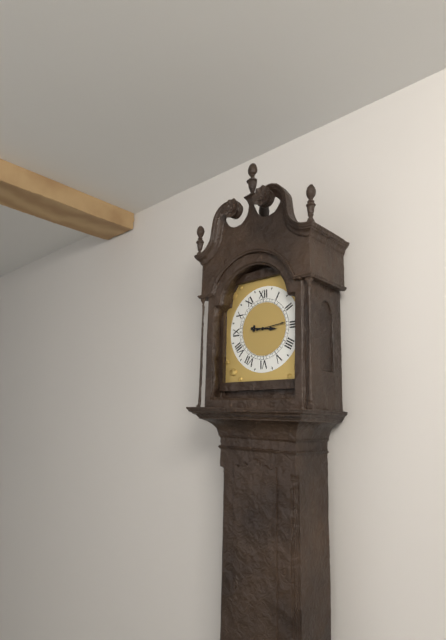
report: 3,14
